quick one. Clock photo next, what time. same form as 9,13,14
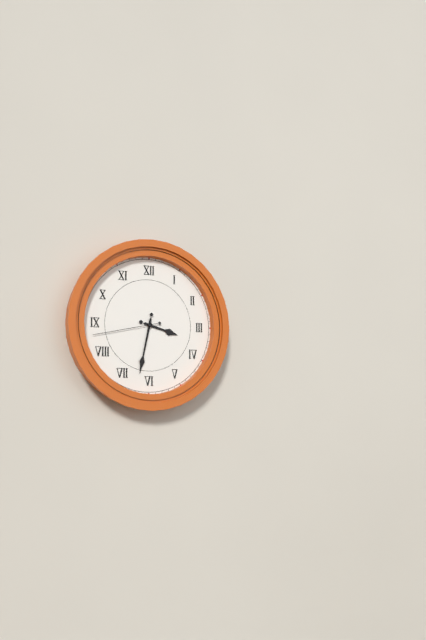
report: 3,32,43
